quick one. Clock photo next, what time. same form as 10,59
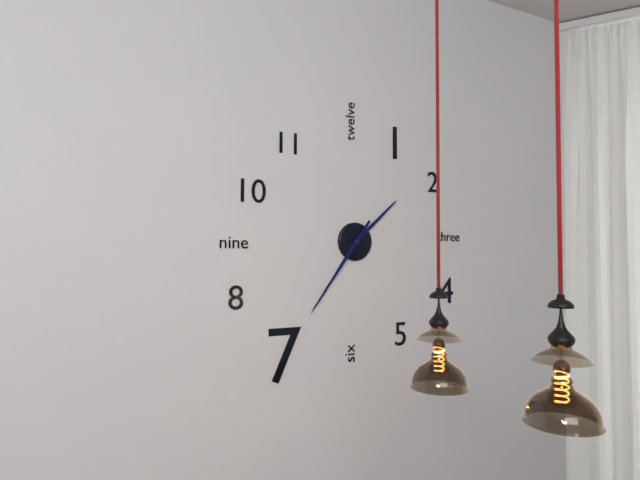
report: 1,36
